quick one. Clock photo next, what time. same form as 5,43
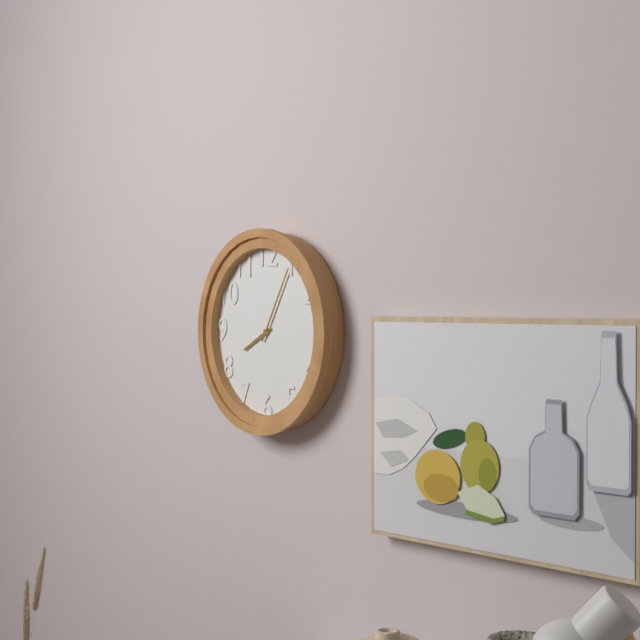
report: 8,05
